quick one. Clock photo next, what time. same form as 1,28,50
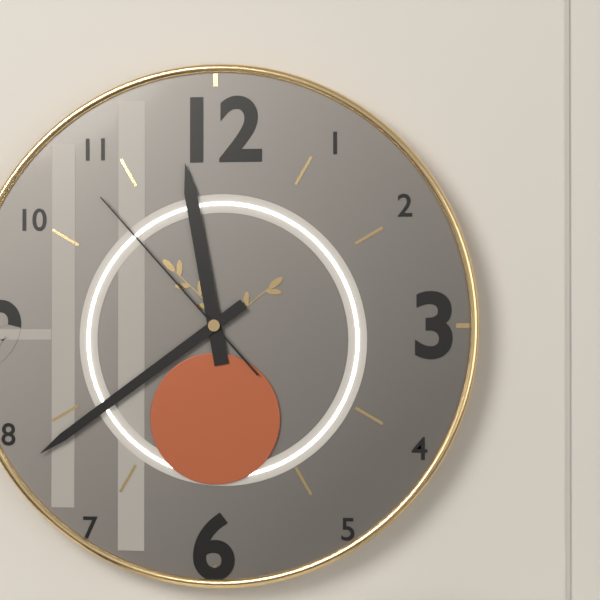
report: 11,39,53
